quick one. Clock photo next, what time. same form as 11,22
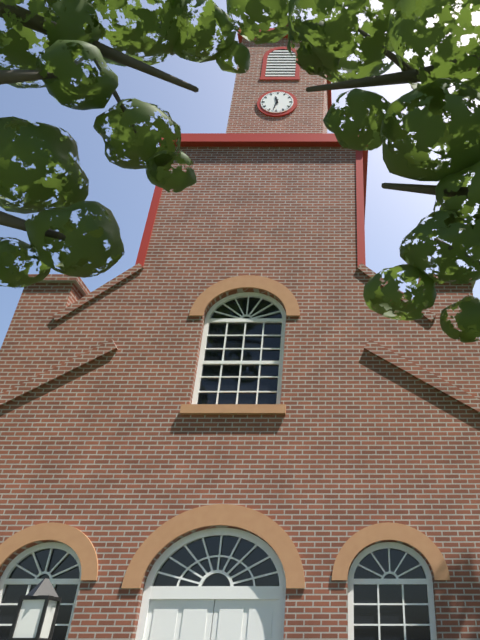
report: 11,32
